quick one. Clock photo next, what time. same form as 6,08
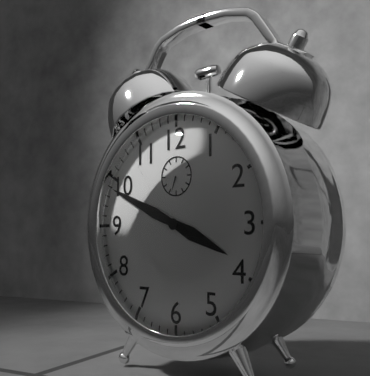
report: 3,49
